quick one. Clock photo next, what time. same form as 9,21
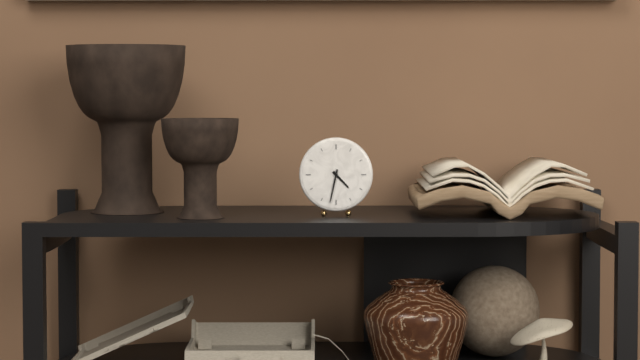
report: 4,32
